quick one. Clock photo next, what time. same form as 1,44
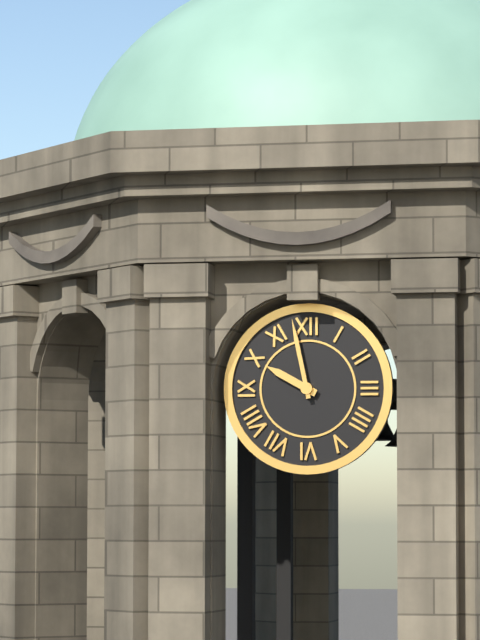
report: 9,58
